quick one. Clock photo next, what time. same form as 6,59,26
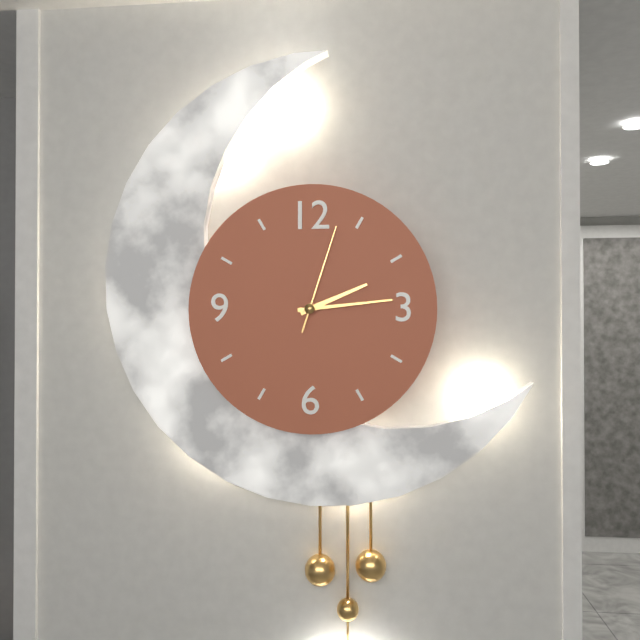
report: 2,14,03
